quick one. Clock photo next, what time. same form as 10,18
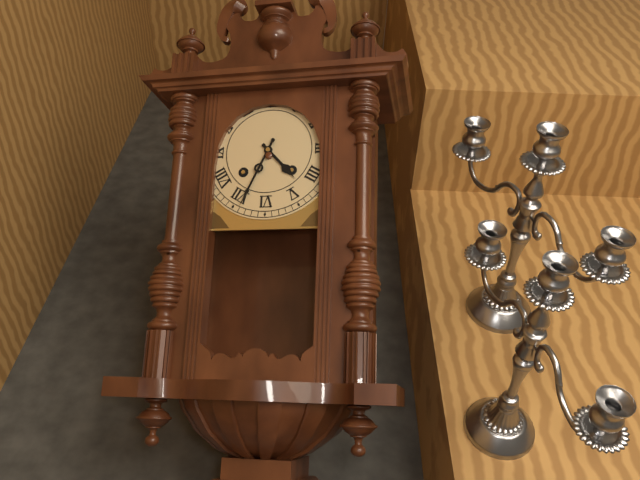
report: 4,34
